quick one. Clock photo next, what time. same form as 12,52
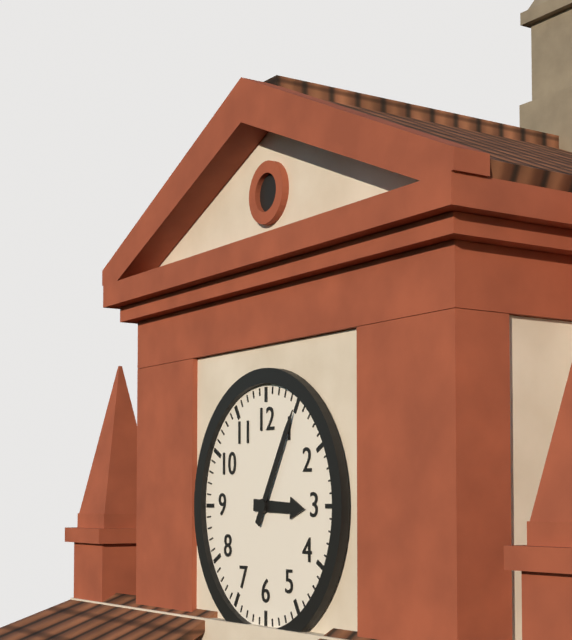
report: 3,05
